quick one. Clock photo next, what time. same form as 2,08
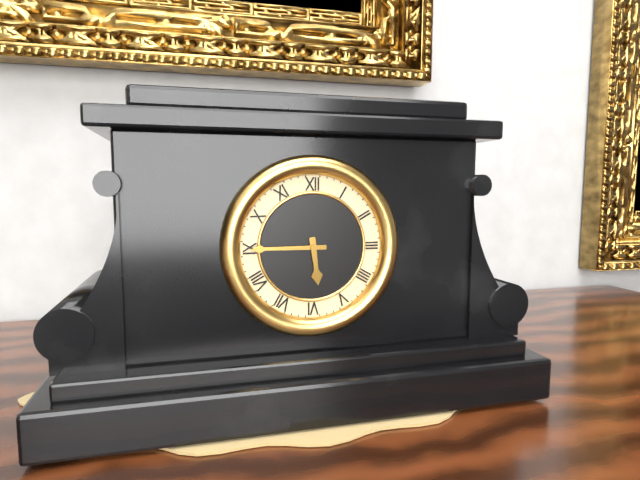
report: 5,45
